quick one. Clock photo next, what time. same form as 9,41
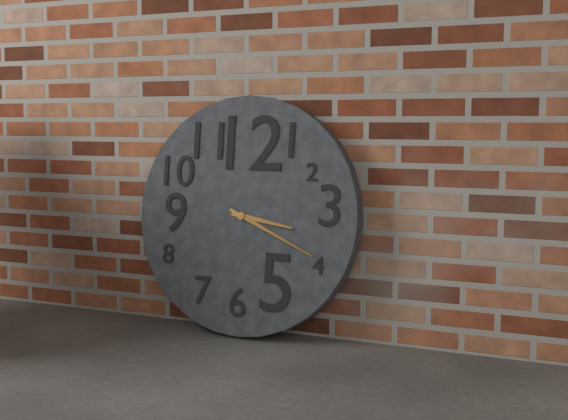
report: 3,19
